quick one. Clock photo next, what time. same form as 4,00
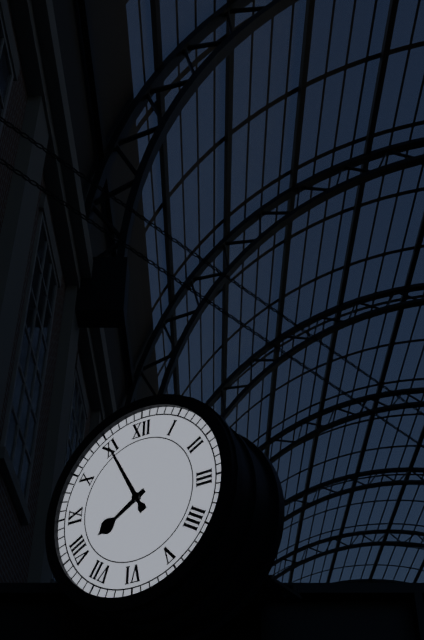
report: 7,55
